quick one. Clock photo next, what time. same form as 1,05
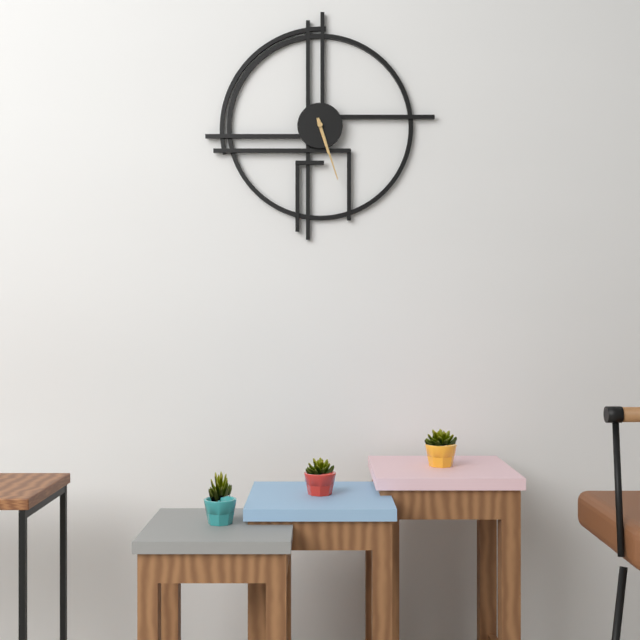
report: 5,27
